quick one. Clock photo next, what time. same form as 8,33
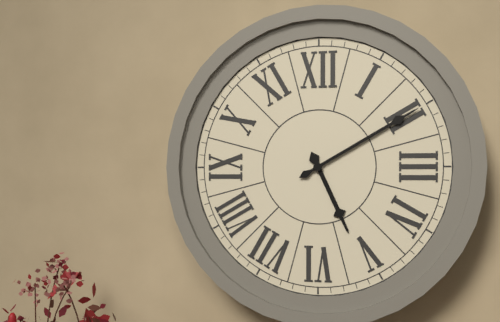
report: 5,10
